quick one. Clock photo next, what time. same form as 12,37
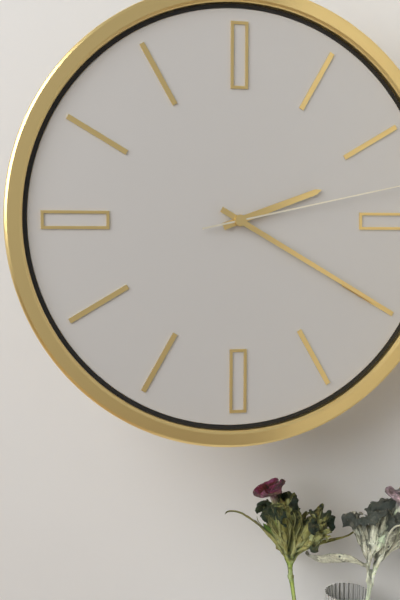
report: 2,20
